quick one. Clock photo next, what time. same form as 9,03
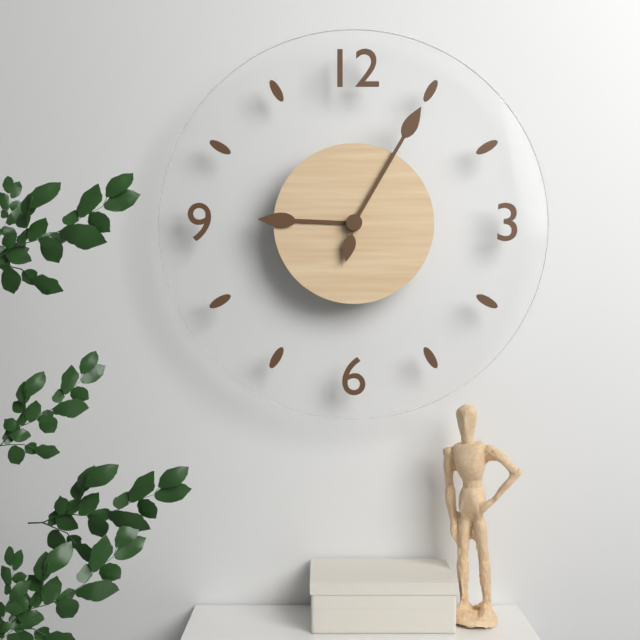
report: 9,05
